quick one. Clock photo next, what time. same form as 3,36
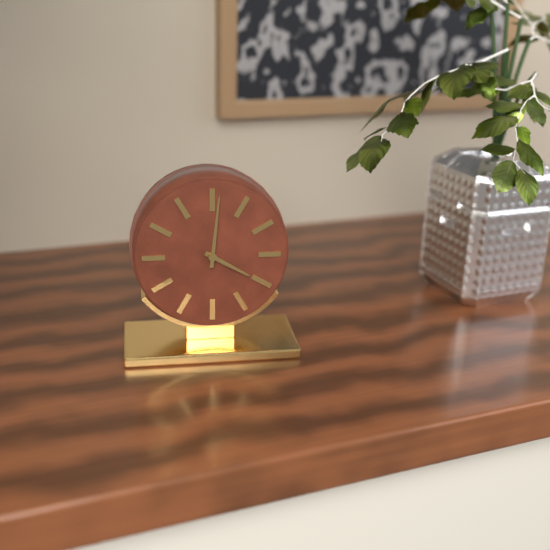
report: 4,01
